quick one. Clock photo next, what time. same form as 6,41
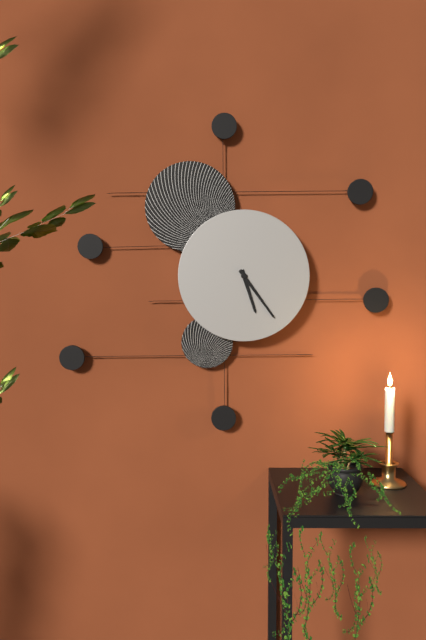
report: 5,24
